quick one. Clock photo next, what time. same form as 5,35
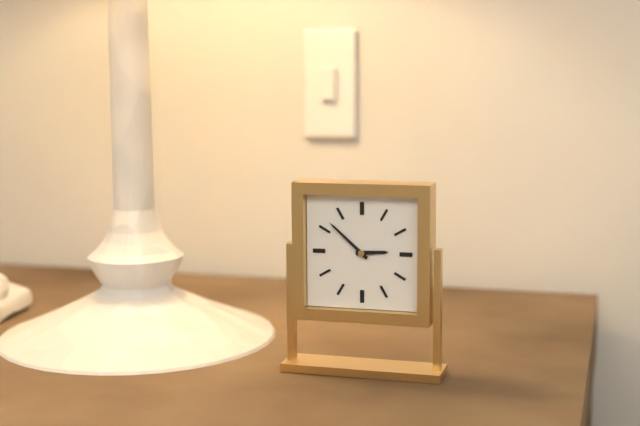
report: 2,52
